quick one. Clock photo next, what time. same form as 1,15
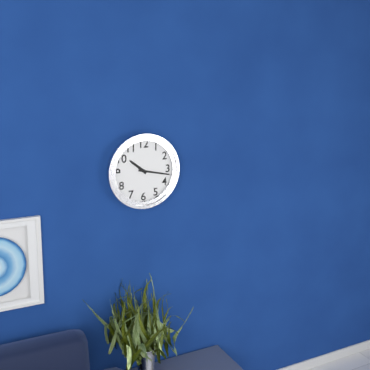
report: 10,17
